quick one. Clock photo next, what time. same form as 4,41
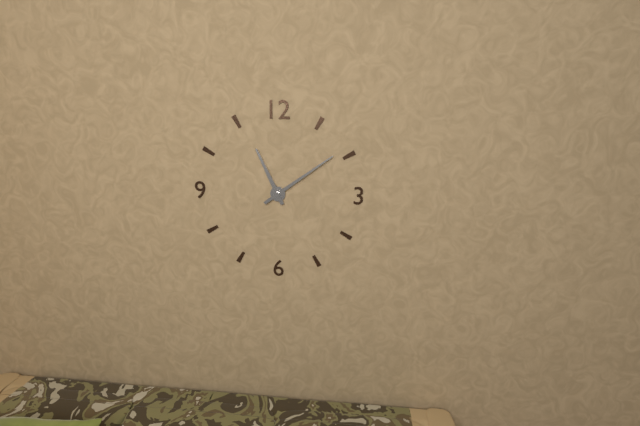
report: 11,09
